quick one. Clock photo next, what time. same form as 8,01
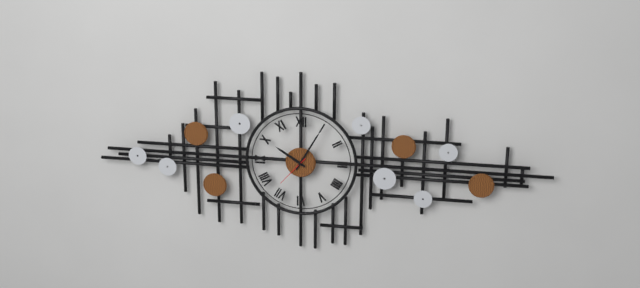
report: 10,05
